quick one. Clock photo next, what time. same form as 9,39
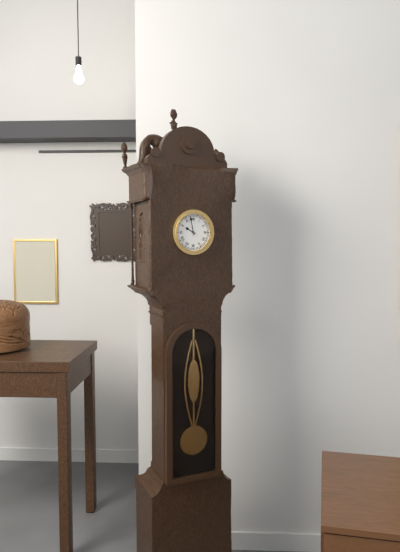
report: 9,58
